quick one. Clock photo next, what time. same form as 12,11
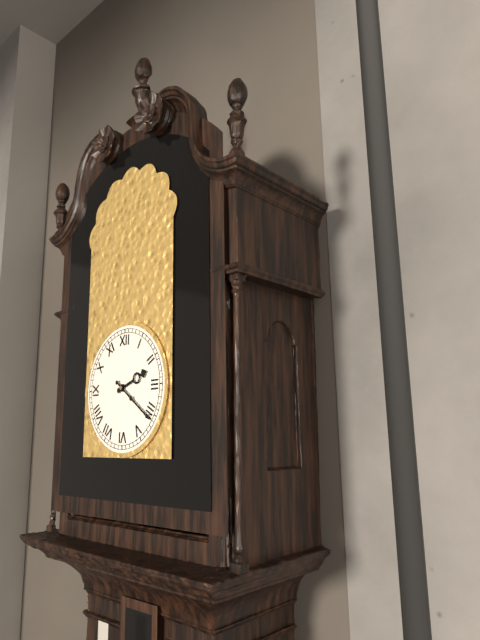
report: 2,21
